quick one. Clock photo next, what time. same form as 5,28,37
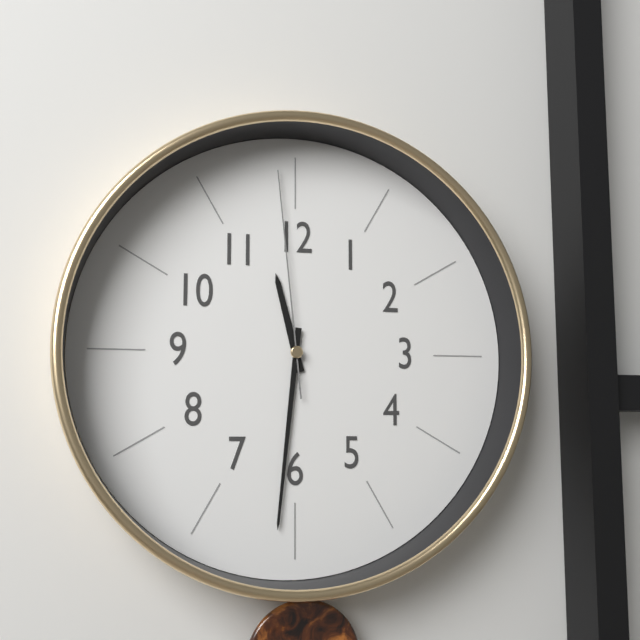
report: 11,31,59
